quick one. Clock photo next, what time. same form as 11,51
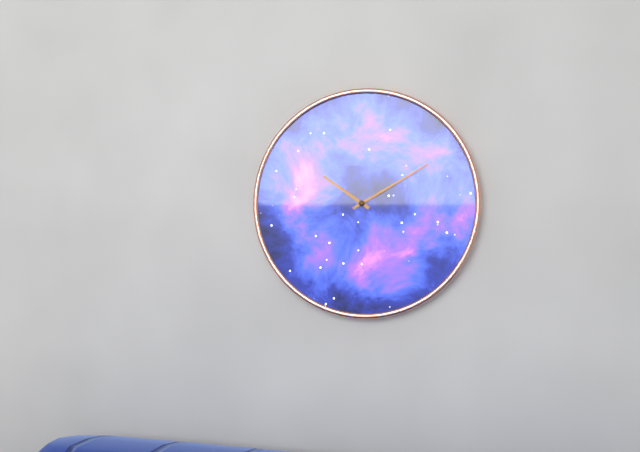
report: 10,10
